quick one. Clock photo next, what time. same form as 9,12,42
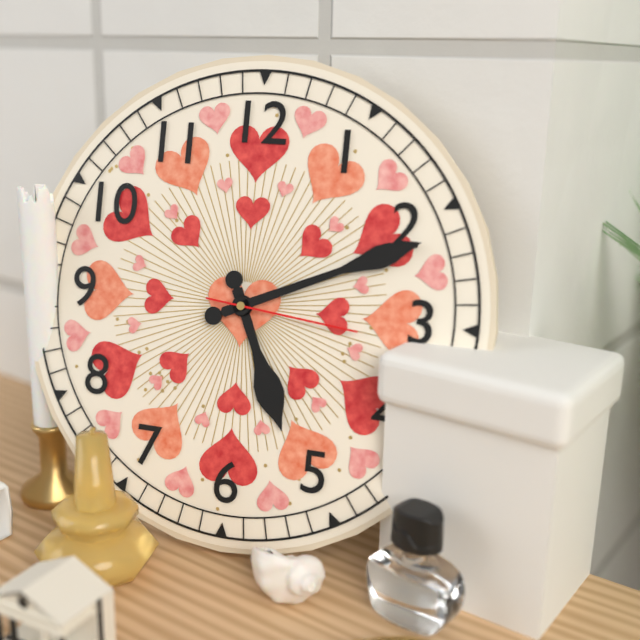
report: 5,11,16
